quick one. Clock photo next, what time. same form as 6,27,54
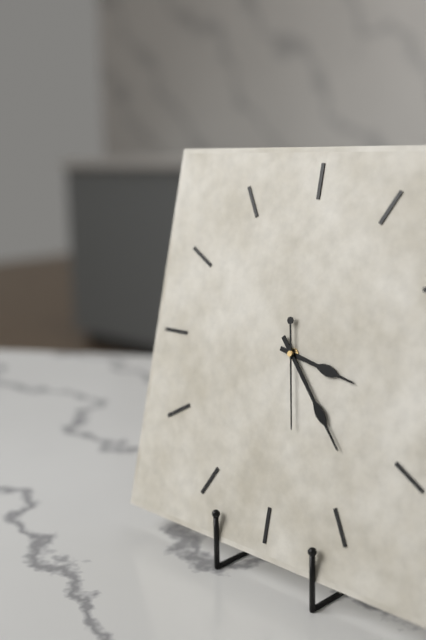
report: 3,23,28
